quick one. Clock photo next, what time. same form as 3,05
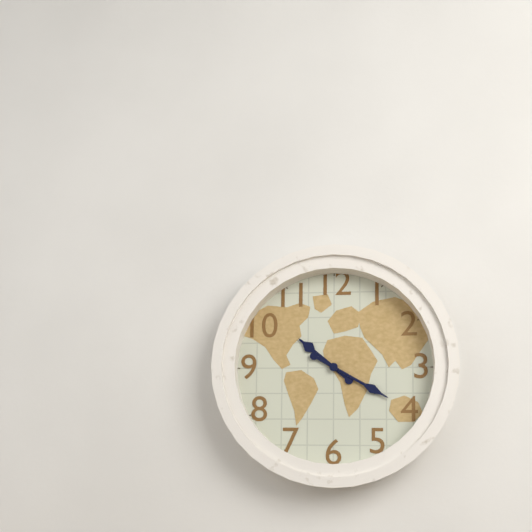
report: 10,20
